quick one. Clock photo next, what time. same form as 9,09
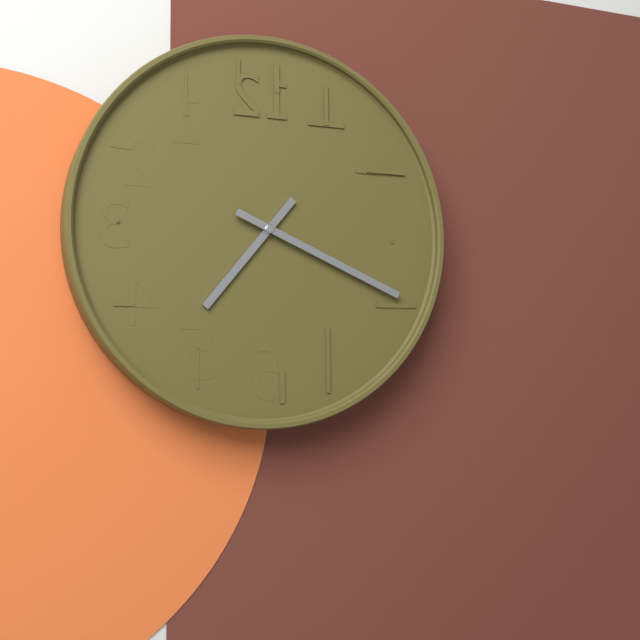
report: 7,19
